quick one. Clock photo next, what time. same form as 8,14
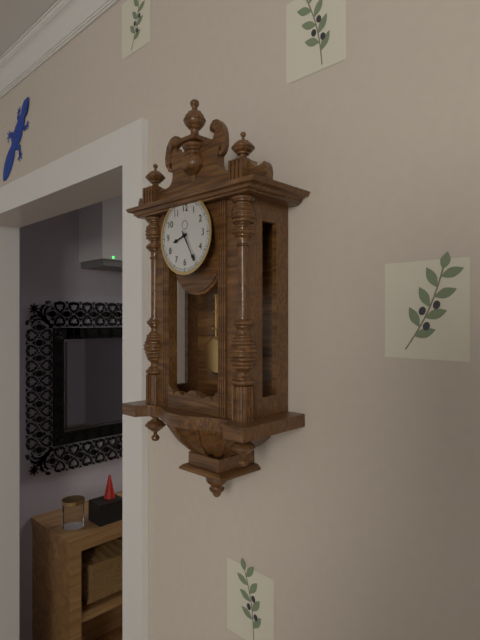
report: 8,25
